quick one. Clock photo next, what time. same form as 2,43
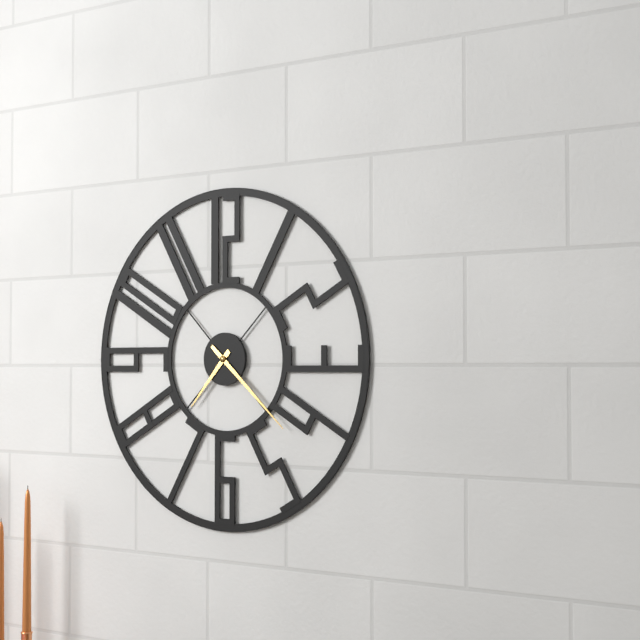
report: 7,22
